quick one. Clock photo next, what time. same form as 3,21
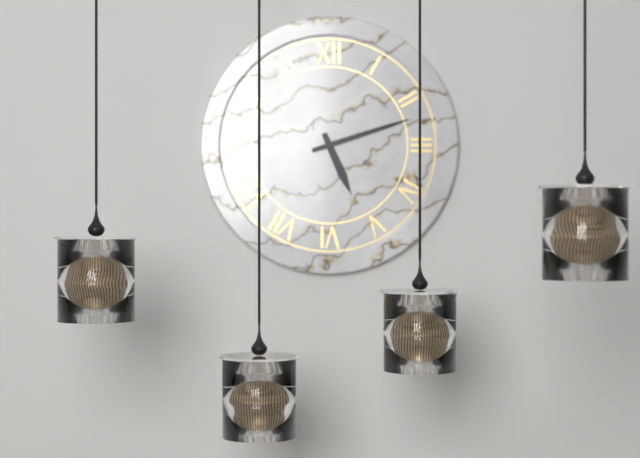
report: 5,12
